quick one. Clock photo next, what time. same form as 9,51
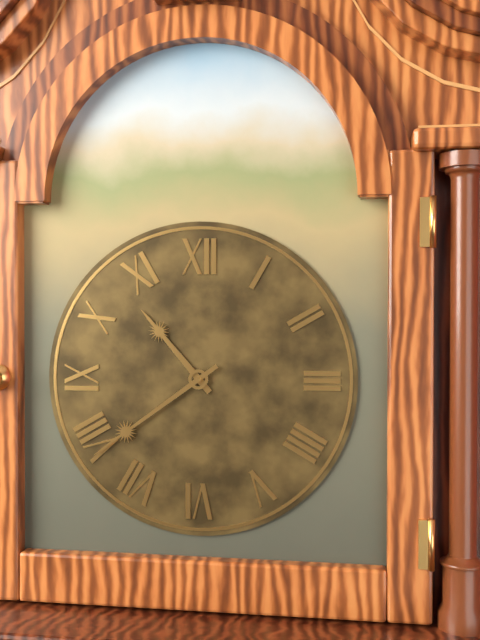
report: 10,39
